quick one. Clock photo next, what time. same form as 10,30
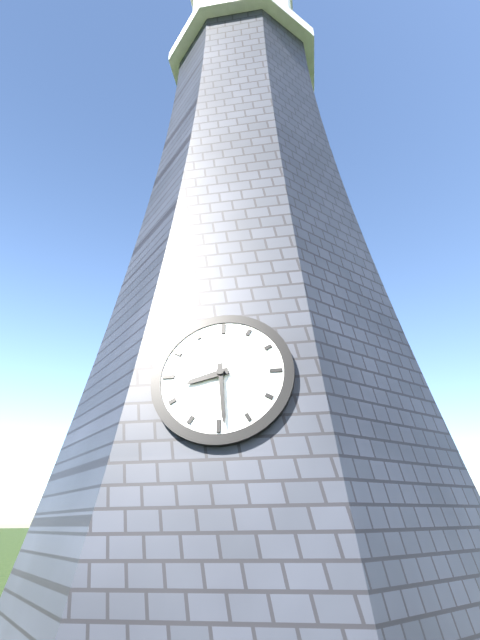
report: 8,29
